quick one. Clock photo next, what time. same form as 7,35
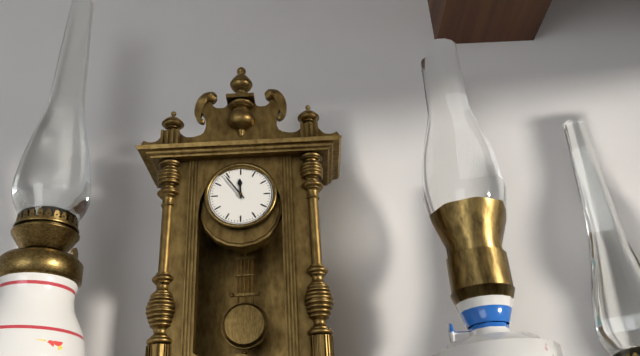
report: 11,54
